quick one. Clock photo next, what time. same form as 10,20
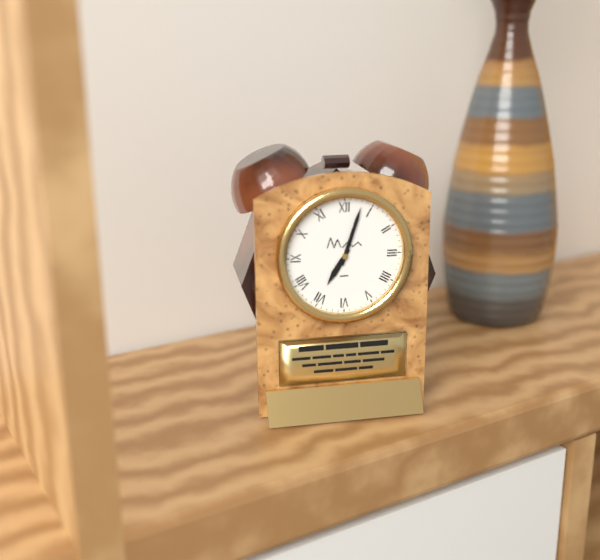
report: 7,03
